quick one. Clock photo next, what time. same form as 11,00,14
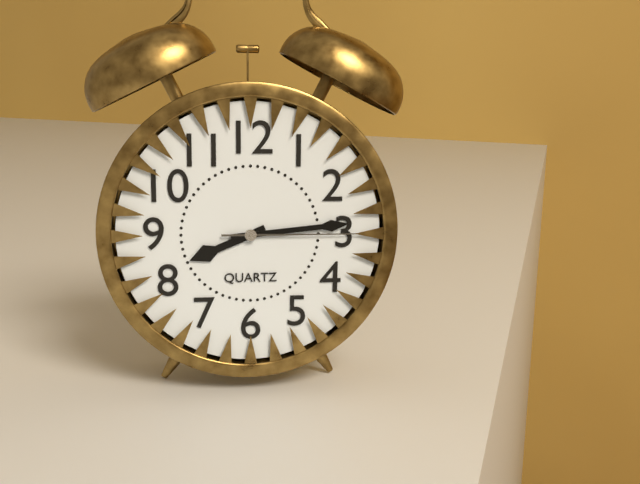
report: 8,14,15
